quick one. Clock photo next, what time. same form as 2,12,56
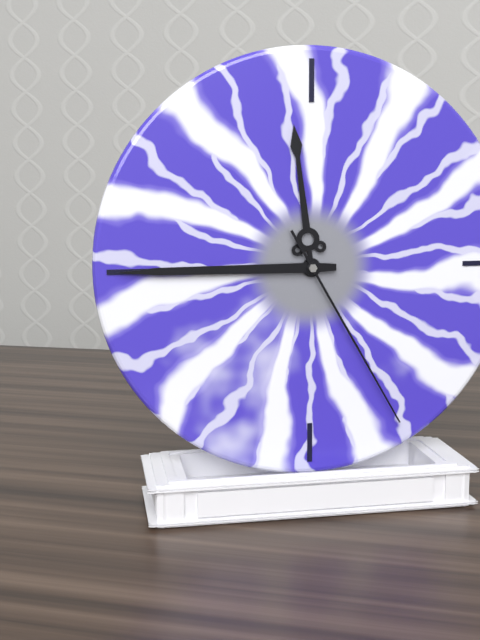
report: 11,45,25
